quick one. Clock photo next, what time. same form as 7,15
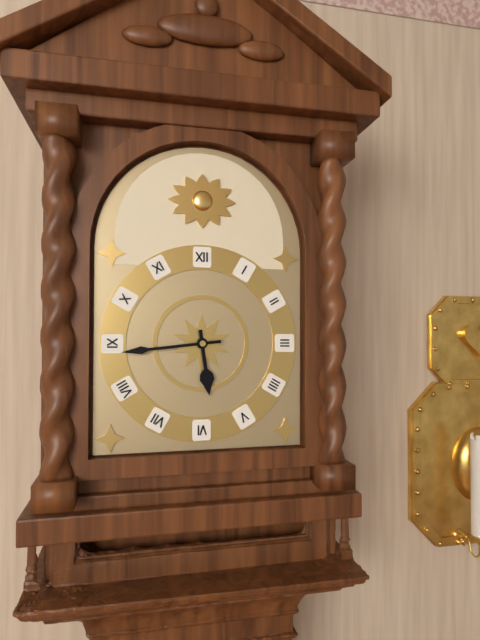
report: 5,44
